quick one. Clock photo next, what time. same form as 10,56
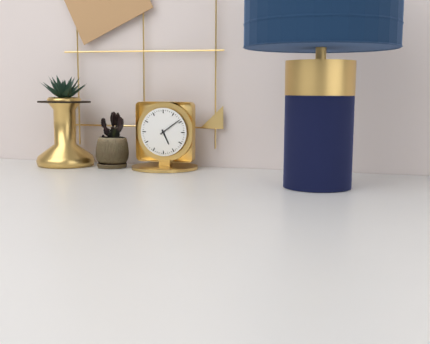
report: 5,09
